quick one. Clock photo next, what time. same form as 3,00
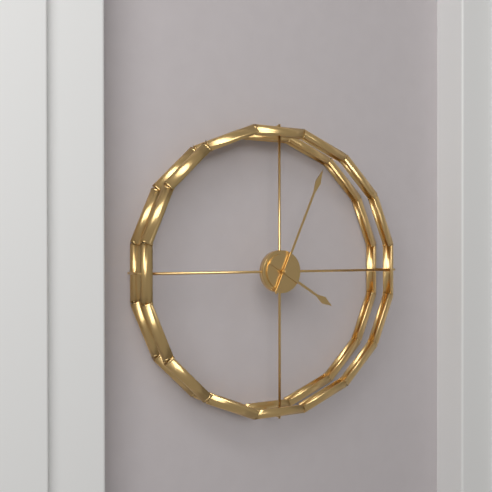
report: 4,04
